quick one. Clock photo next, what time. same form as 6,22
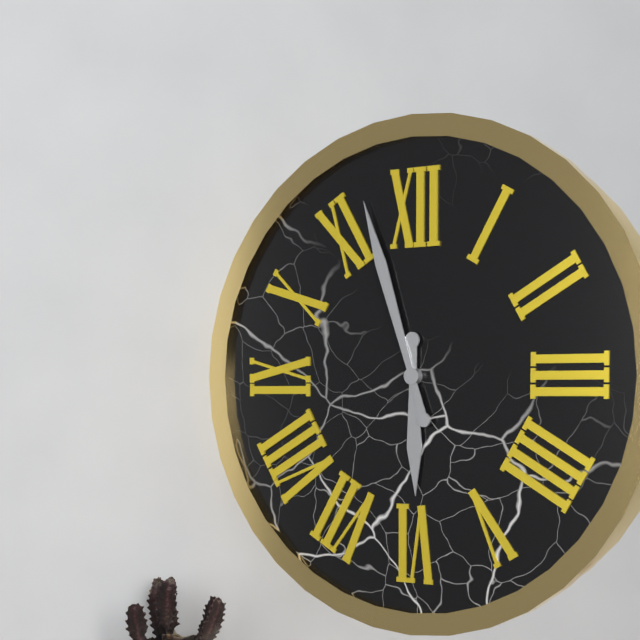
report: 5,57
